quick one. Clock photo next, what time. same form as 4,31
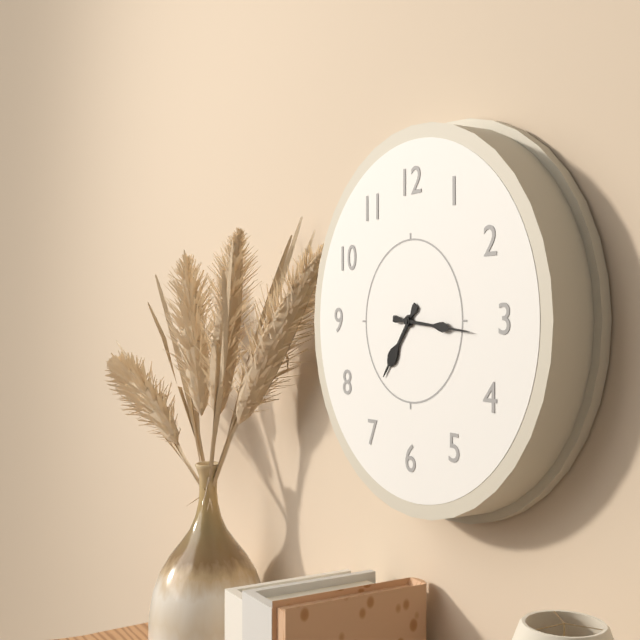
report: 7,16
